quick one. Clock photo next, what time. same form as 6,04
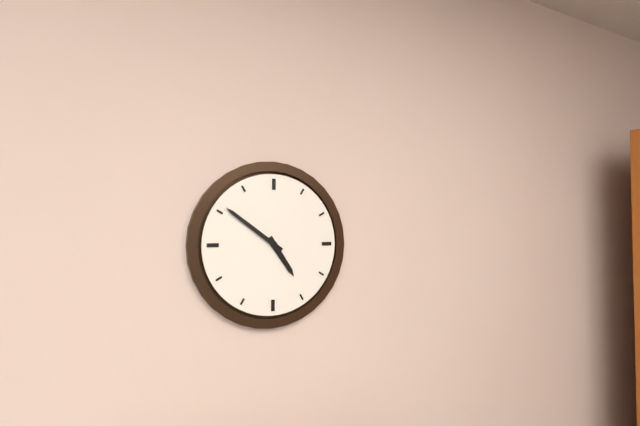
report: 4,51
